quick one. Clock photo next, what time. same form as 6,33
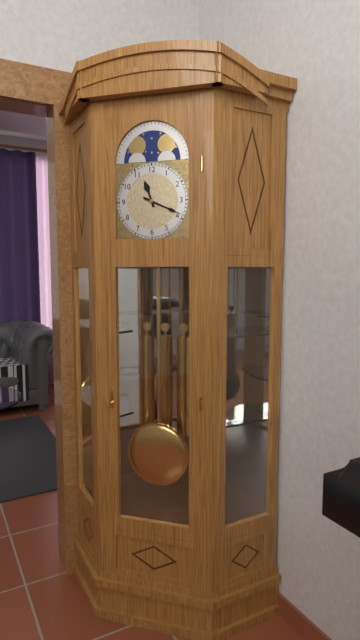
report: 11,19
